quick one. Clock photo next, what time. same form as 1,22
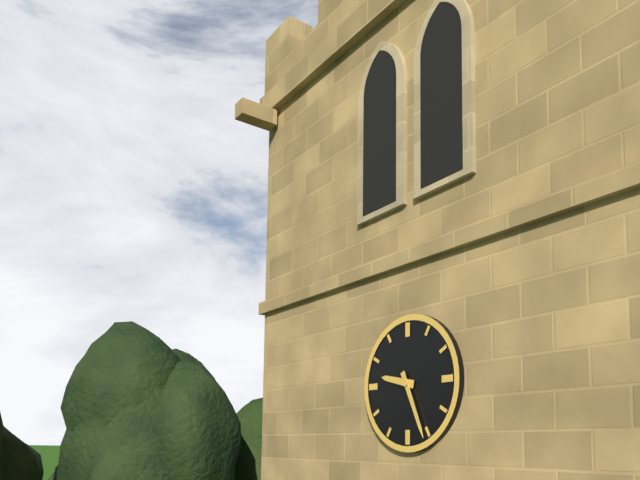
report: 9,26
